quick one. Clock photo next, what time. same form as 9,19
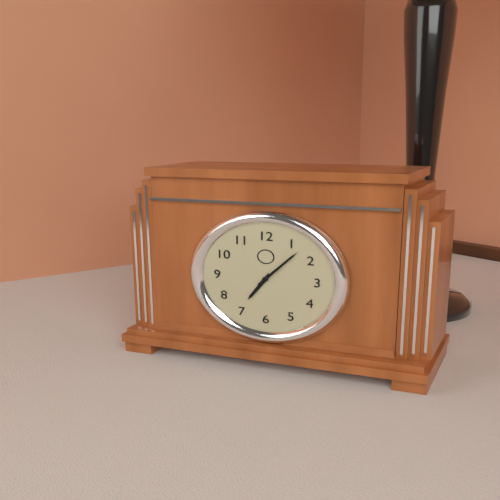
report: 7,07
